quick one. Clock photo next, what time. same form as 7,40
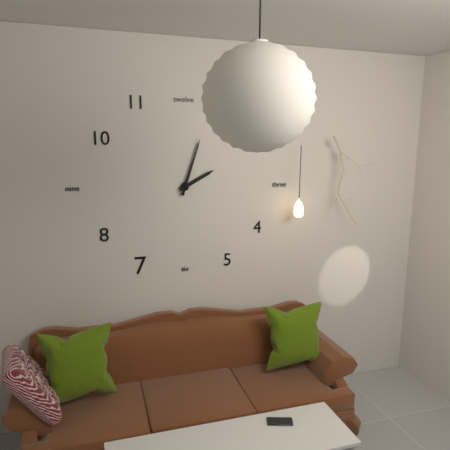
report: 2,03
